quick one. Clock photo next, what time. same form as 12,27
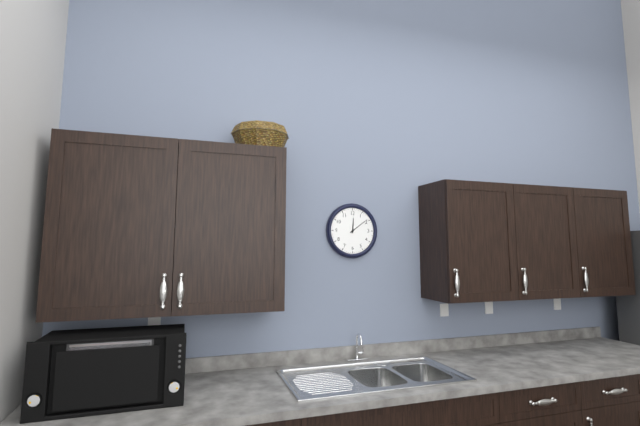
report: 12,09
